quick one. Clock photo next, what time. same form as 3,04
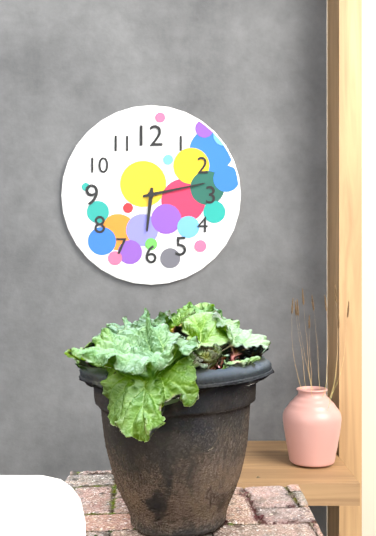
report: 6,13
